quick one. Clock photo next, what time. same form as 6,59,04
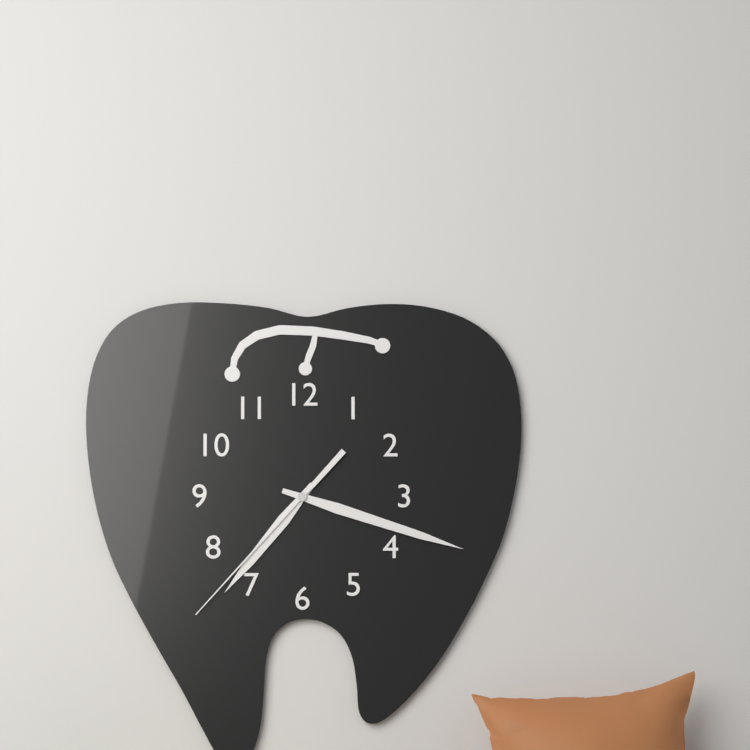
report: 7,18,37
